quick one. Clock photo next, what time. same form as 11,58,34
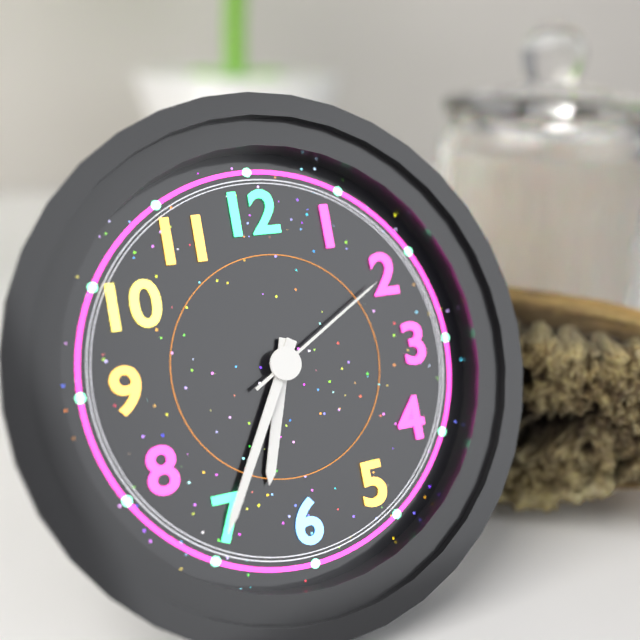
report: 6,35,10
